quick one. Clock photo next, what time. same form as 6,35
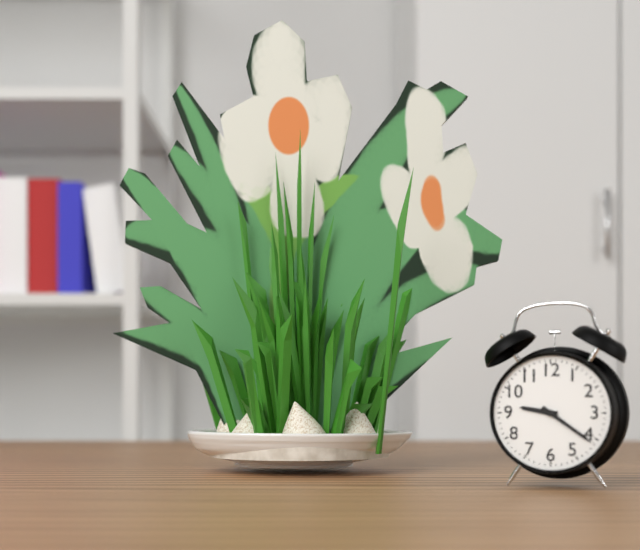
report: 9,21
